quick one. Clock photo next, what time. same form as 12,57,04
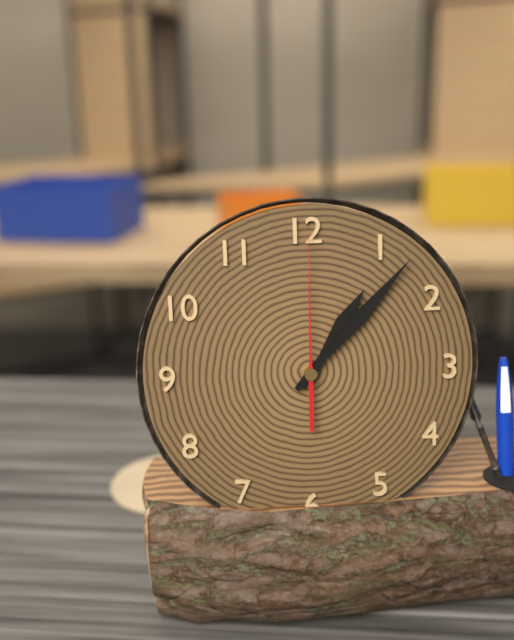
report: 1,07,00
